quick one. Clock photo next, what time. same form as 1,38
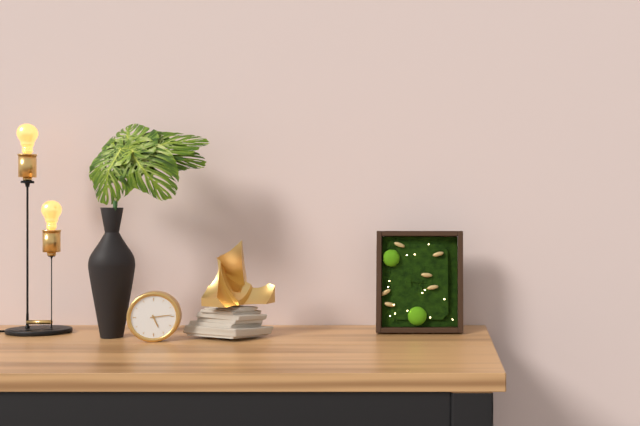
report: 5,14
